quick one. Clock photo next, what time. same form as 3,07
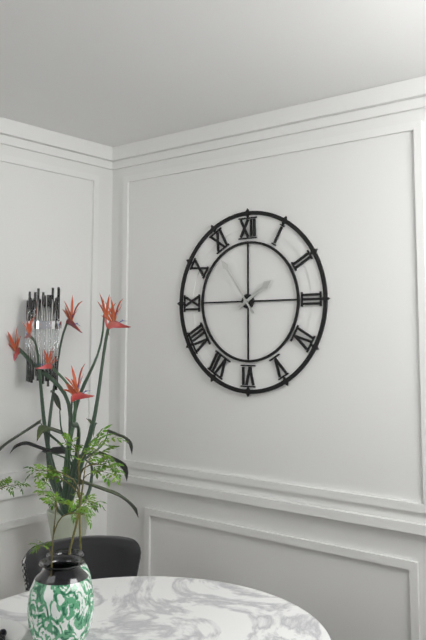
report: 1,54
